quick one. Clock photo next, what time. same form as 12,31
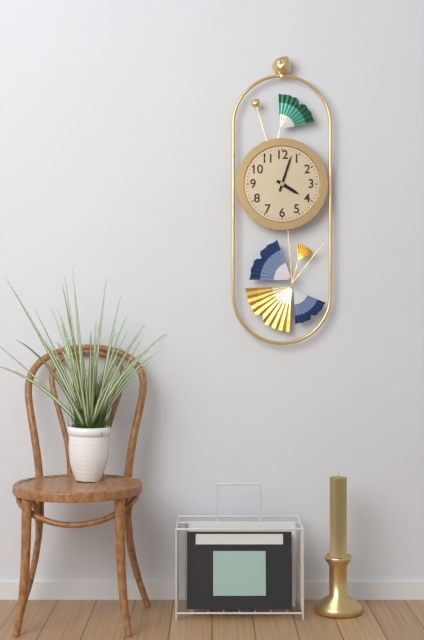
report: 4,03
